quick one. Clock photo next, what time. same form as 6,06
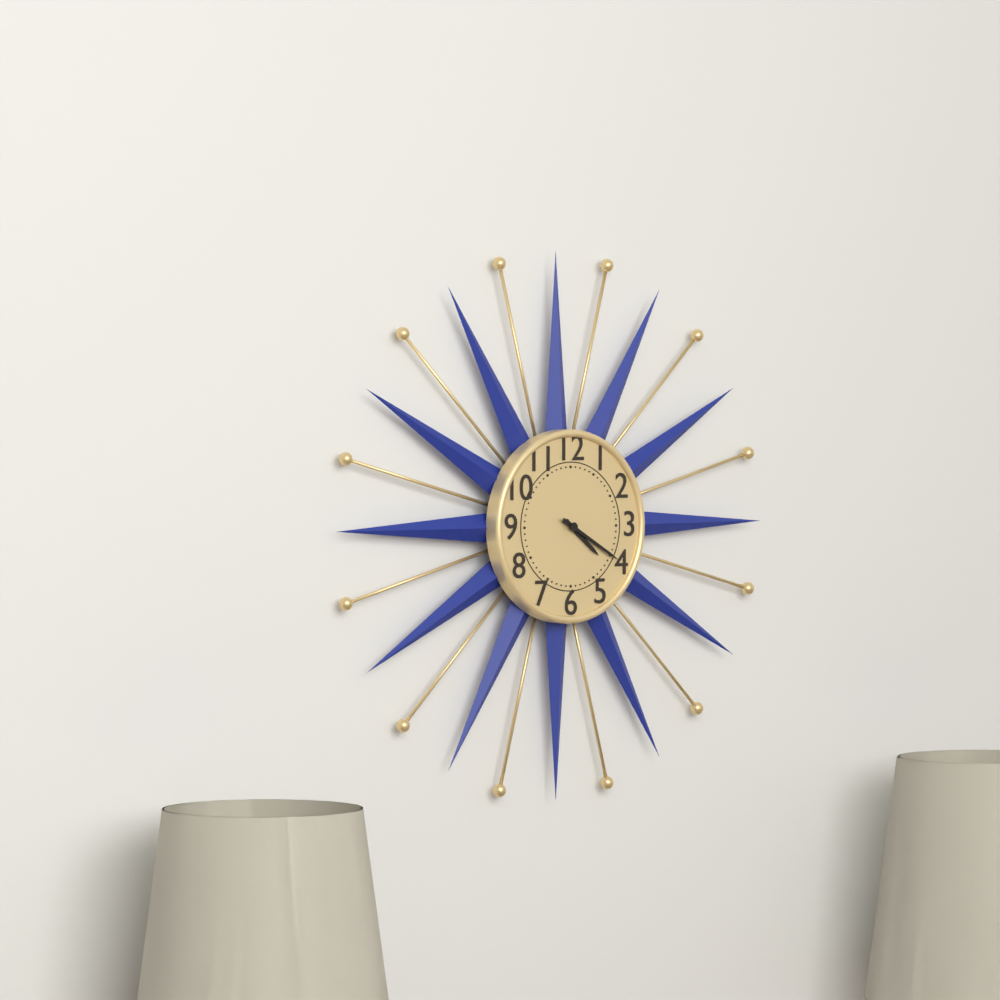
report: 4,20
